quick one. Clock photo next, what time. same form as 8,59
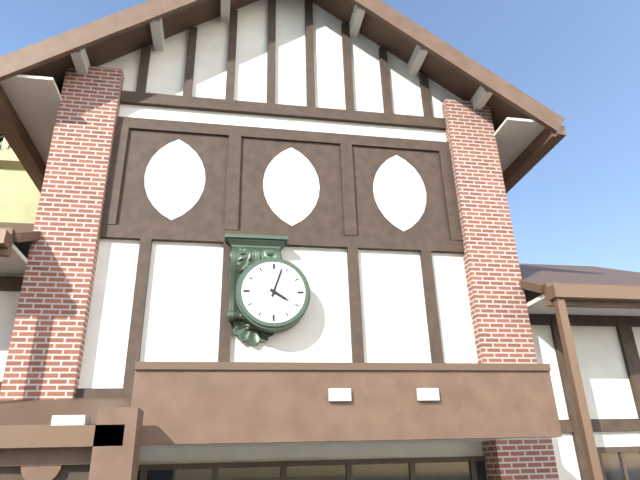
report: 4,03
